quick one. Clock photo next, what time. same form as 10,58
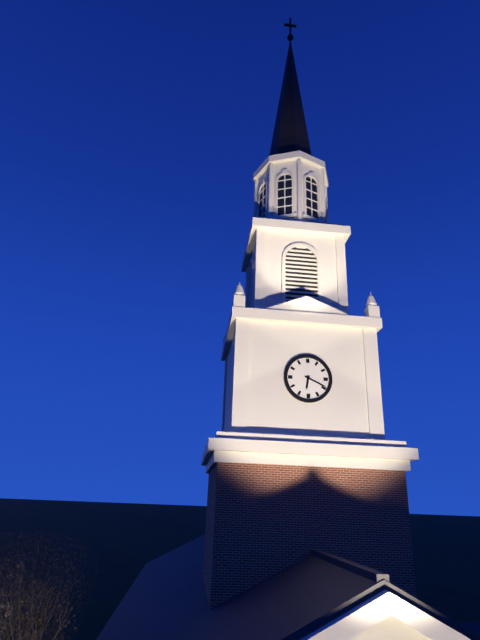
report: 6,19
